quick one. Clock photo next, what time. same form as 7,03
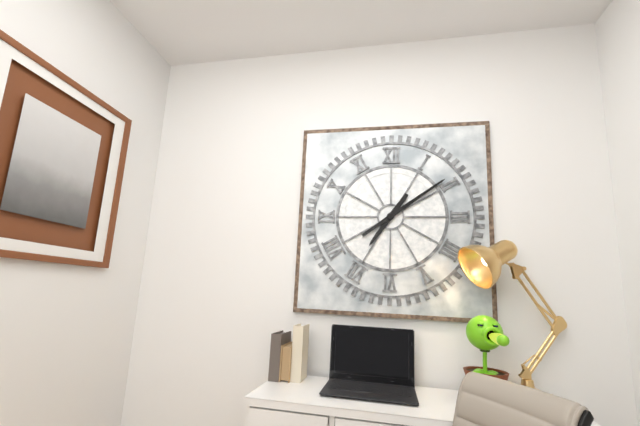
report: 7,09
